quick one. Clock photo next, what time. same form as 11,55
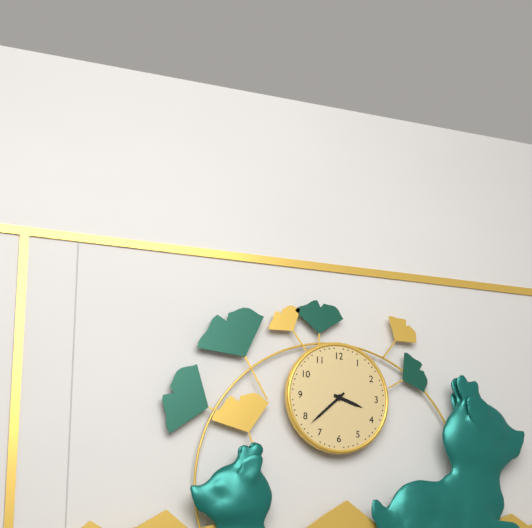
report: 3,38
